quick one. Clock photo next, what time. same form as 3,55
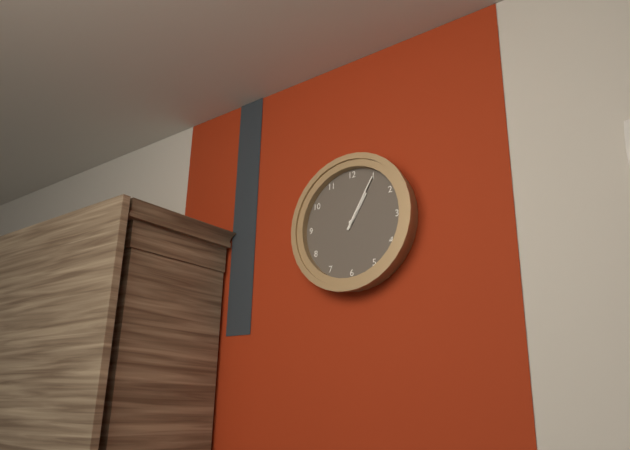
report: 1,05
